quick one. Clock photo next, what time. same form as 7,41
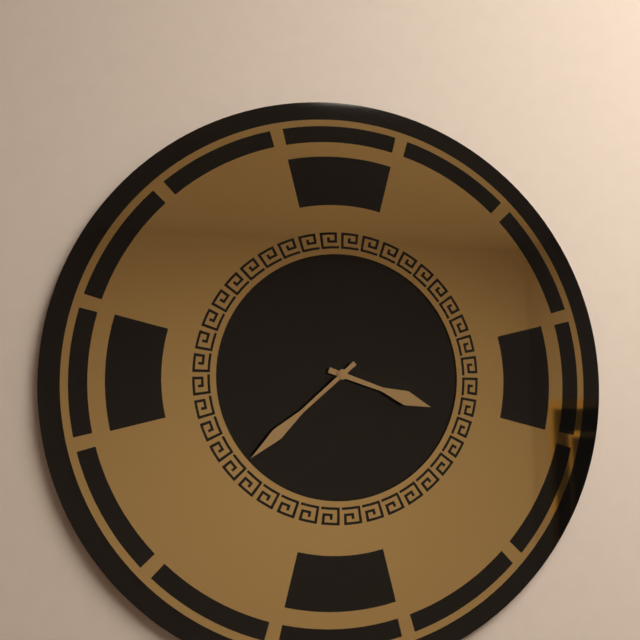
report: 3,38
